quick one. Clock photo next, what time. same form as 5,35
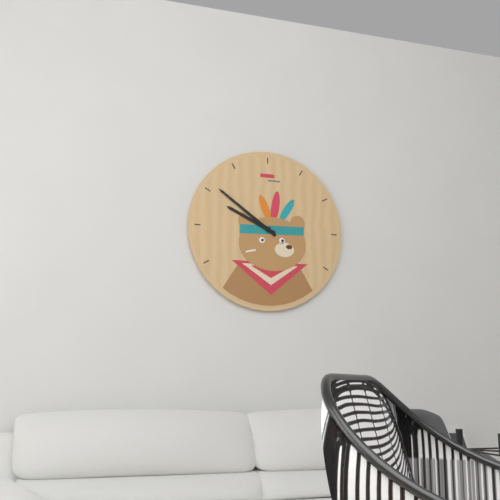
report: 9,51
